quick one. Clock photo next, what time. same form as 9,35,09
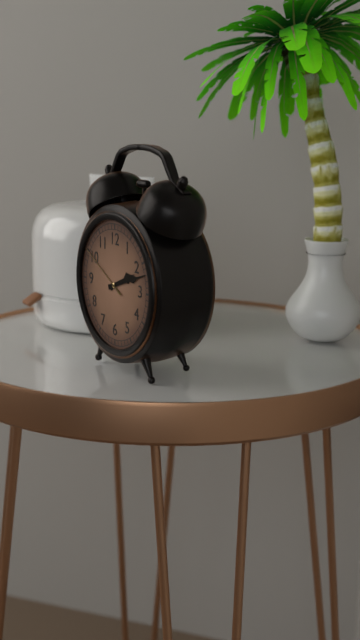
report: 2,12,50
